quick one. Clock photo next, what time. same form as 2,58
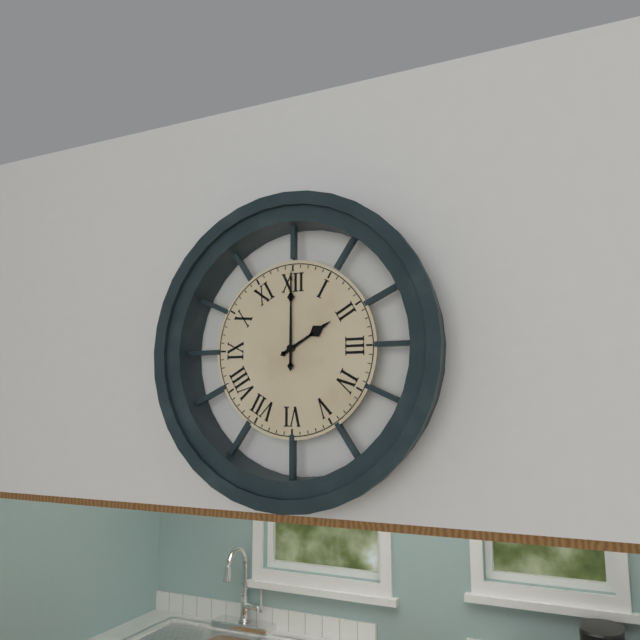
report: 2,00
